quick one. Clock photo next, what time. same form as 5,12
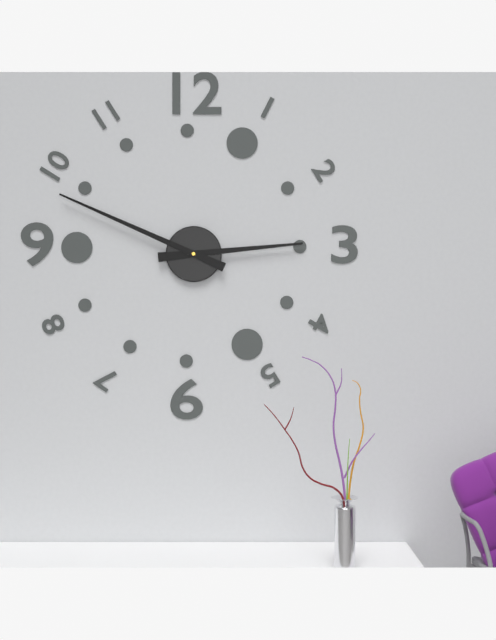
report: 2,49
